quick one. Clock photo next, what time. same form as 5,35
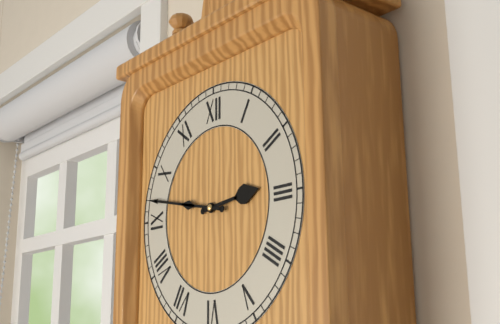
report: 2,47
